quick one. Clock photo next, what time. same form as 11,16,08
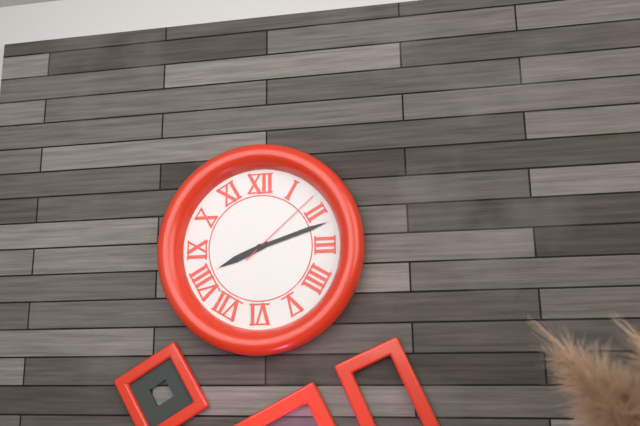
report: 8,12,08
